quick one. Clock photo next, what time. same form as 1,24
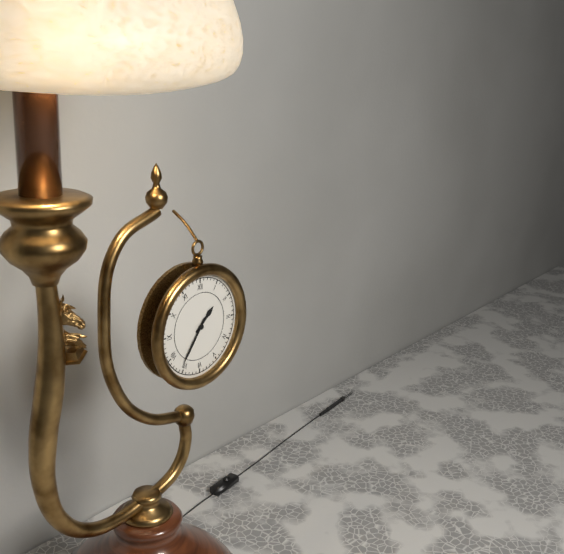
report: 1,36
